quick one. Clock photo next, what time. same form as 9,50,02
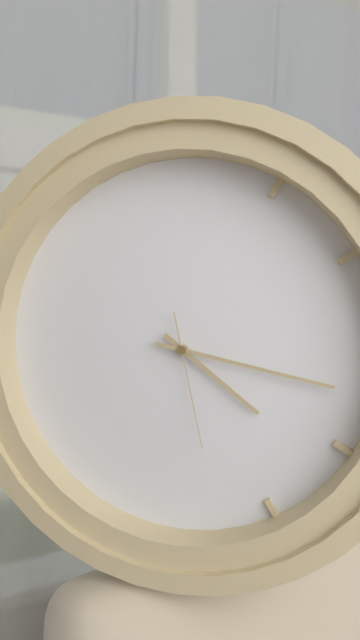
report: 4,17,28
